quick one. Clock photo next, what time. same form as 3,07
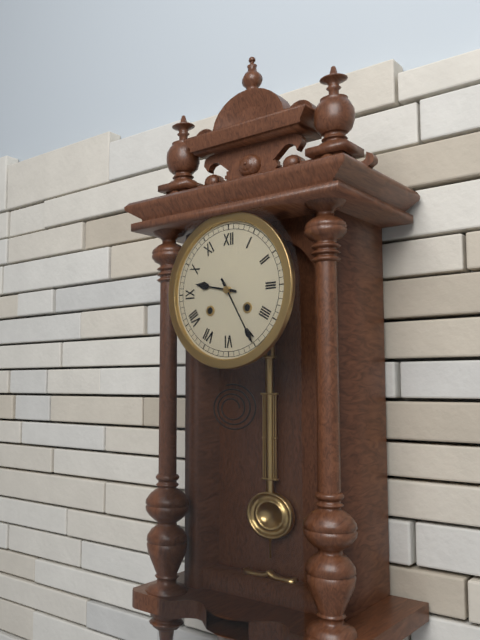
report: 9,25
